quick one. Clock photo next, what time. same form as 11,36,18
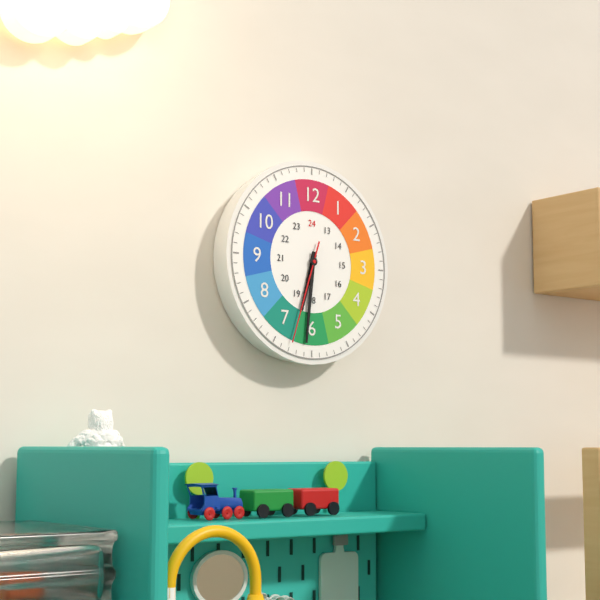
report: 6,31,33
